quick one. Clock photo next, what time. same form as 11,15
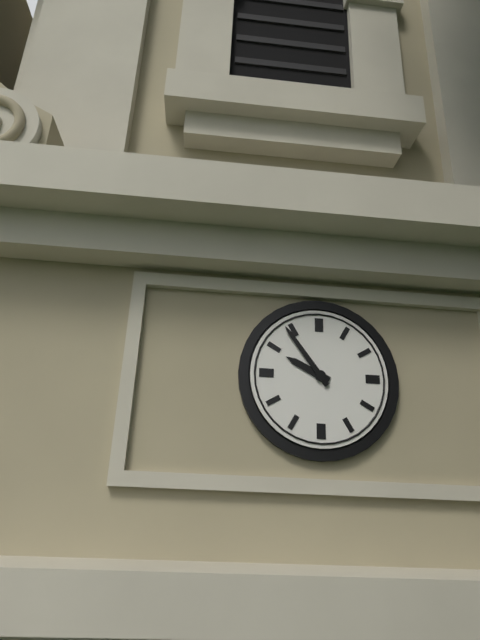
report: 9,54
